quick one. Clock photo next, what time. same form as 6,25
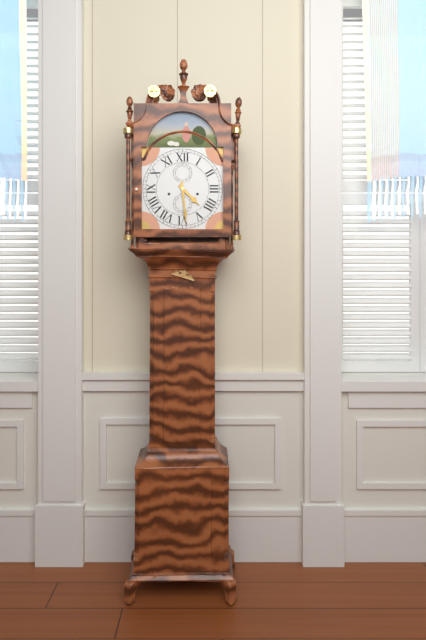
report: 4,29
